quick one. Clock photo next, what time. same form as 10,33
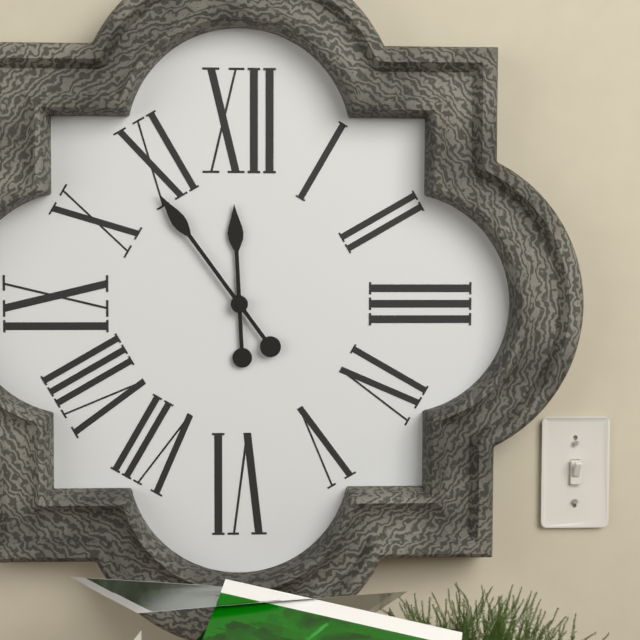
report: 11,54
